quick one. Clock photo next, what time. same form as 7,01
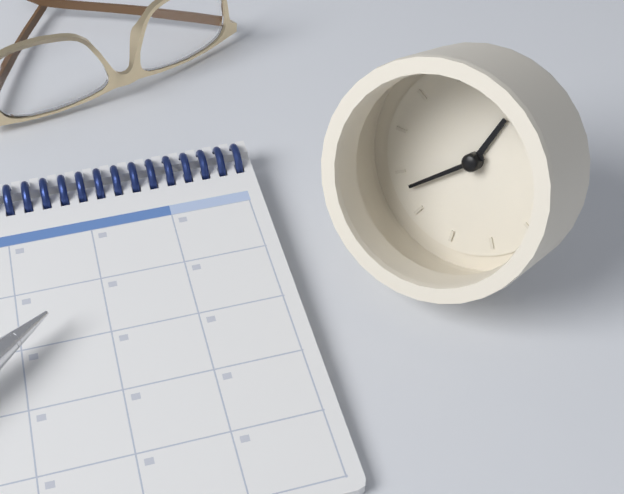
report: 12,38
